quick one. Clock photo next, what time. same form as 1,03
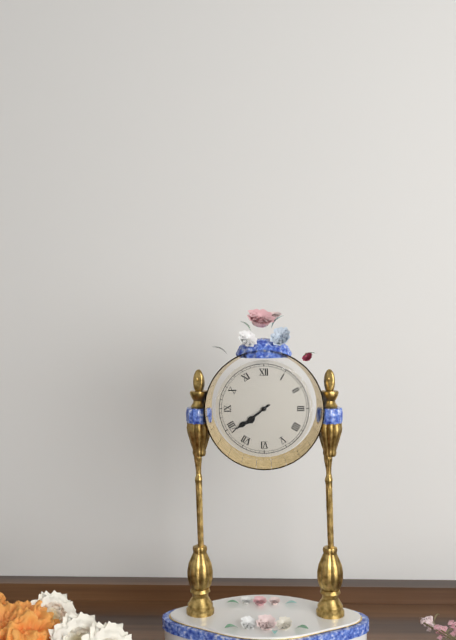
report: 7,39
